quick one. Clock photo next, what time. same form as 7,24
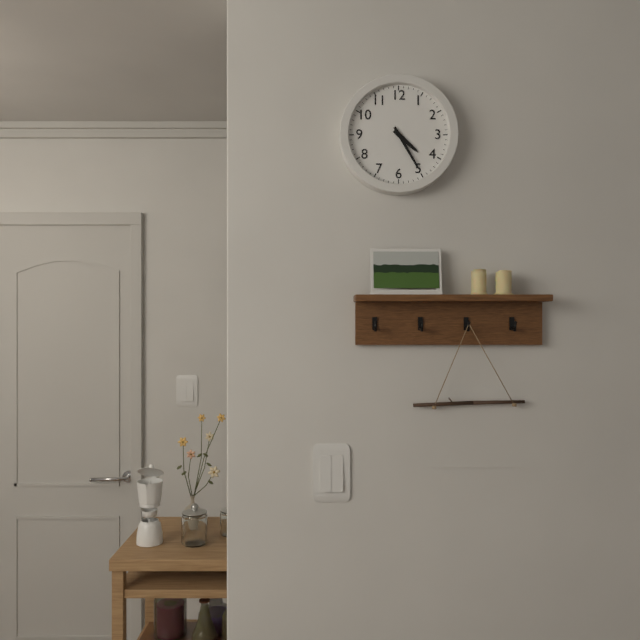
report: 4,25
